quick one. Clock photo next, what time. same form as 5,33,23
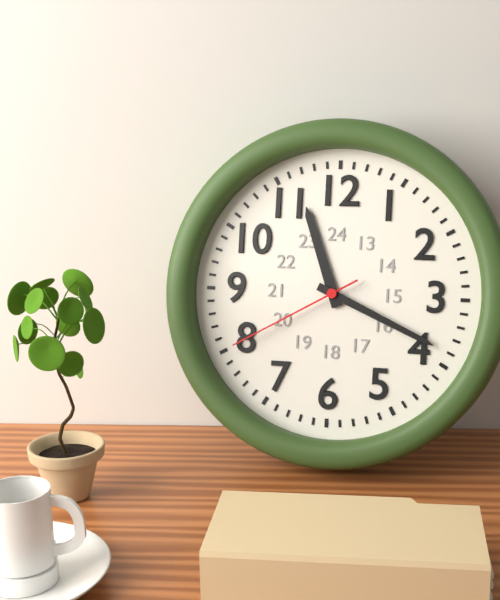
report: 11,19,40
